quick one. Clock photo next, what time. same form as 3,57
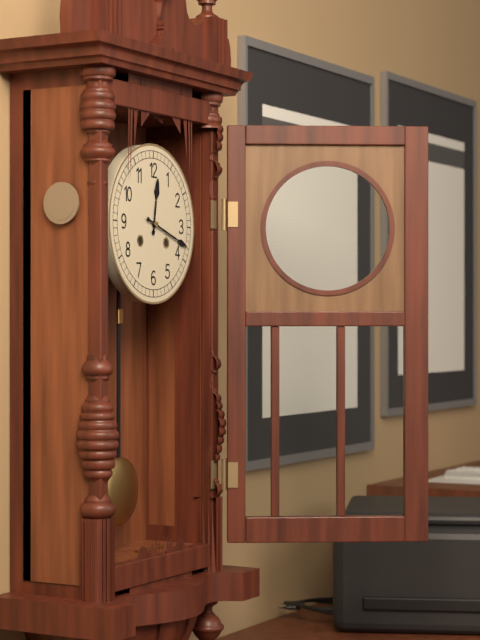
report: 12,18
